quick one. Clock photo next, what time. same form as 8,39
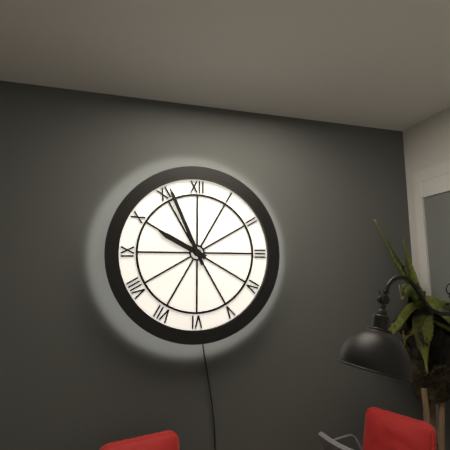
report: 9,56
